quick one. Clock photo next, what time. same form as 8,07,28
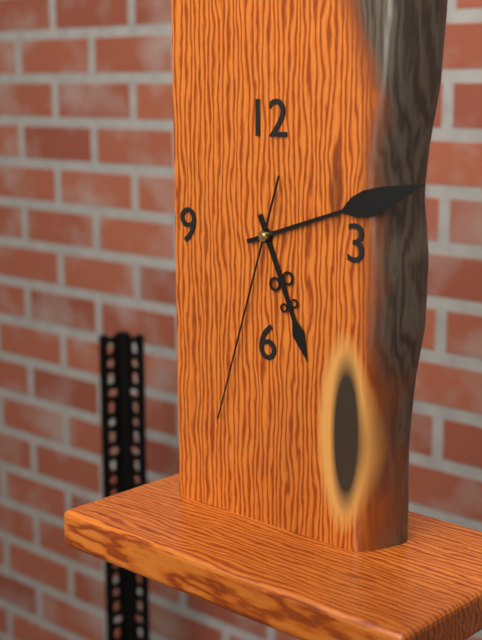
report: 5,12,33
